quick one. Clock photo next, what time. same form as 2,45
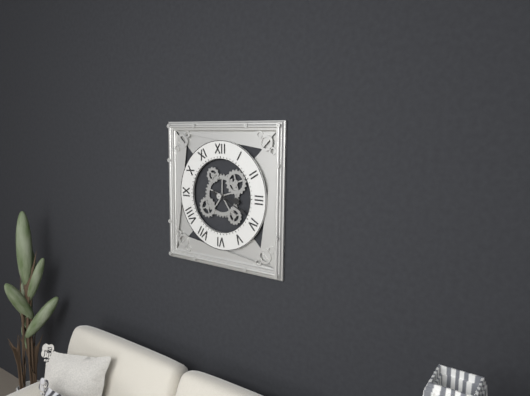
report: 3,19
